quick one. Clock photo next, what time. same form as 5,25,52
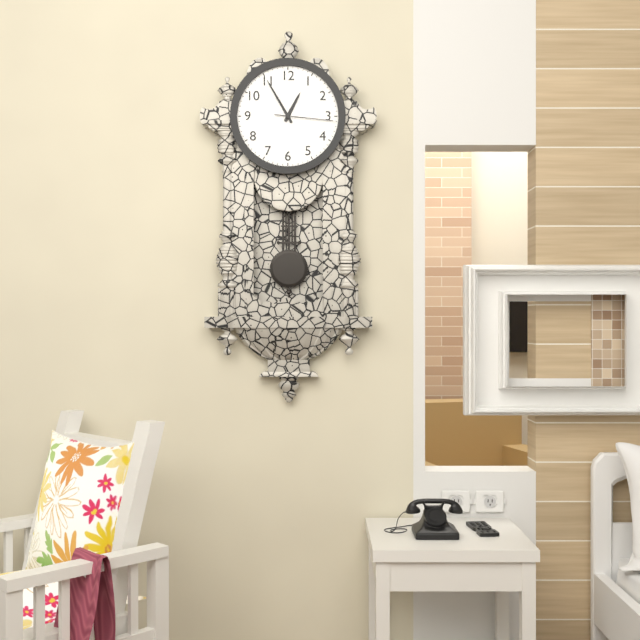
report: 12,55,16
